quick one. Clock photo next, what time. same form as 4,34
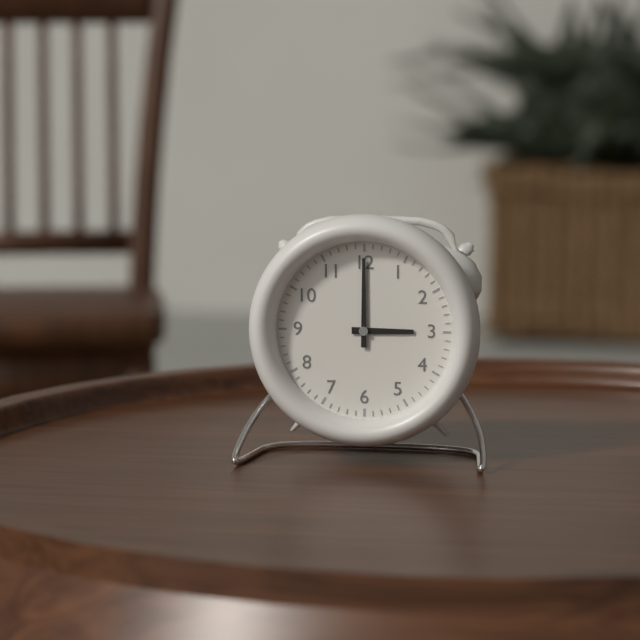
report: 3,00
